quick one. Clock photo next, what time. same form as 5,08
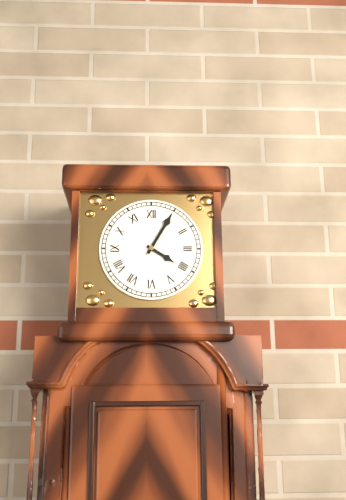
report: 4,05
